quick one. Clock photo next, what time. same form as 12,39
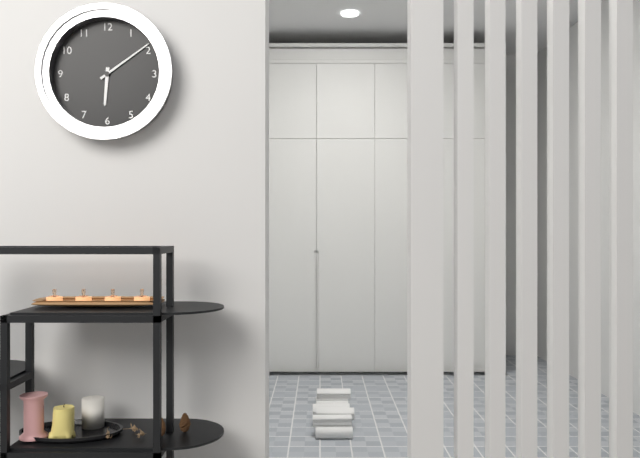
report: 6,09
